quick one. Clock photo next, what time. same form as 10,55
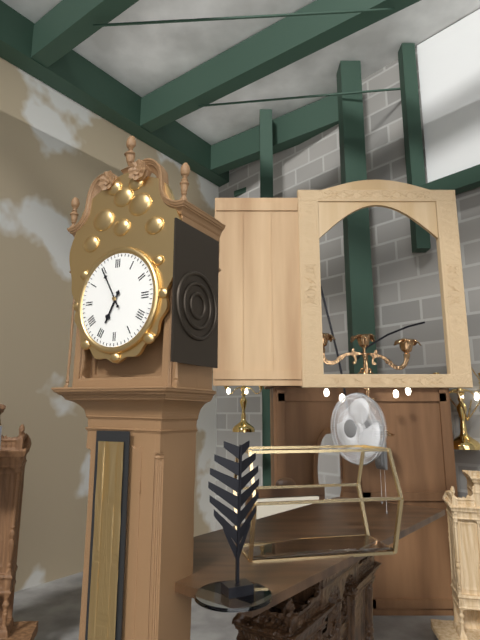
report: 6,55
